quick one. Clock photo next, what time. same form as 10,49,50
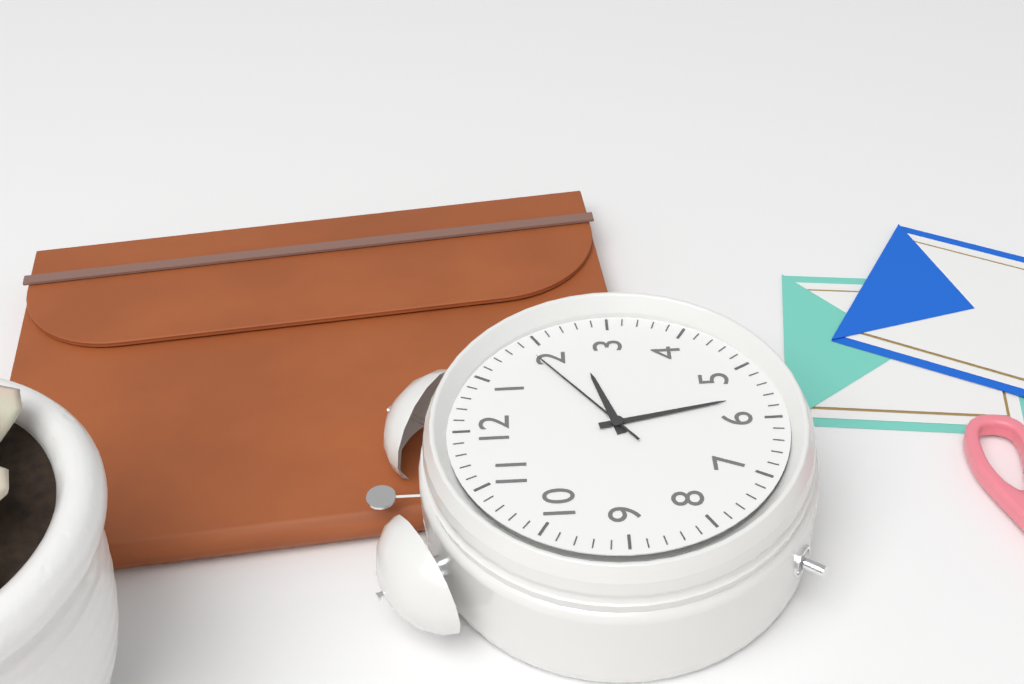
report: 2,28,09
